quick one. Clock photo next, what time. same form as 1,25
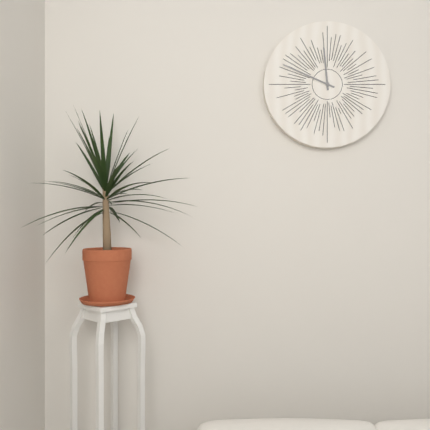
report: 11,49
